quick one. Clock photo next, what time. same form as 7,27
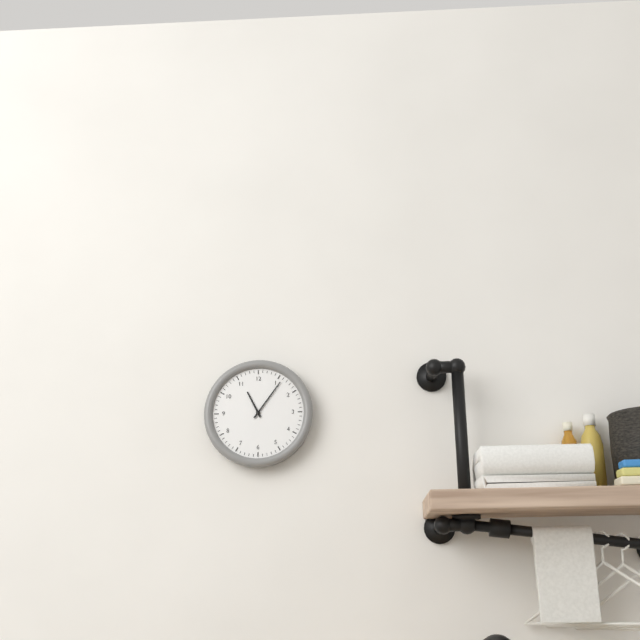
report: 11,06
